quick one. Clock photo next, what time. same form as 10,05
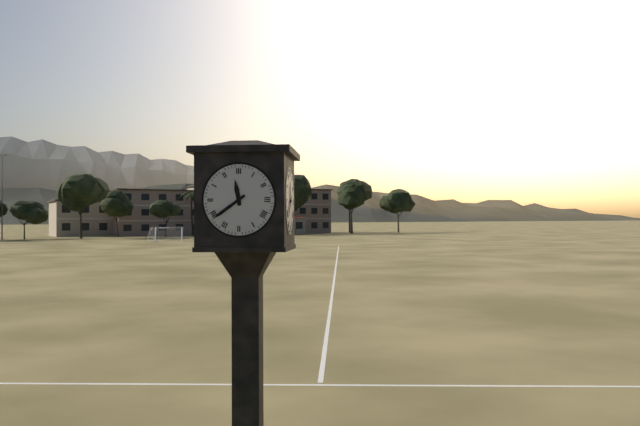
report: 11,39
